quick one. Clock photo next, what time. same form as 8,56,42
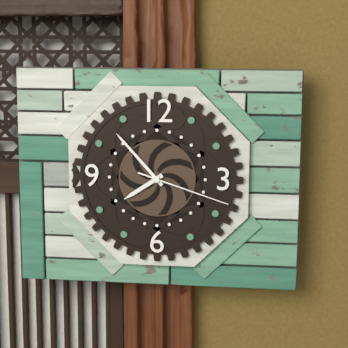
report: 7,53,18
